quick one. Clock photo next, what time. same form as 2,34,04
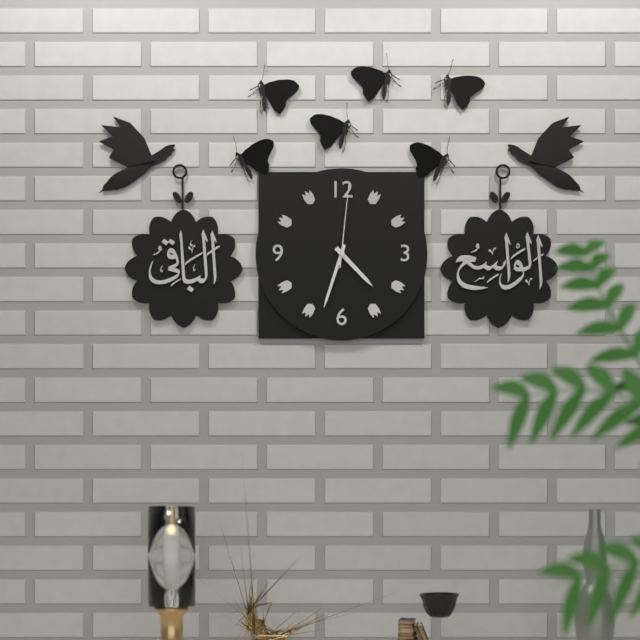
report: 4,33,01
